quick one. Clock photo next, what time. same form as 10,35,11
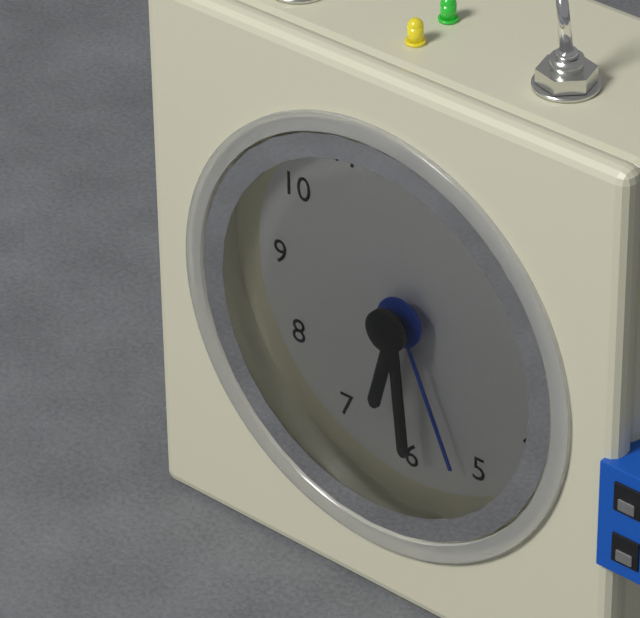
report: 6,29,26
